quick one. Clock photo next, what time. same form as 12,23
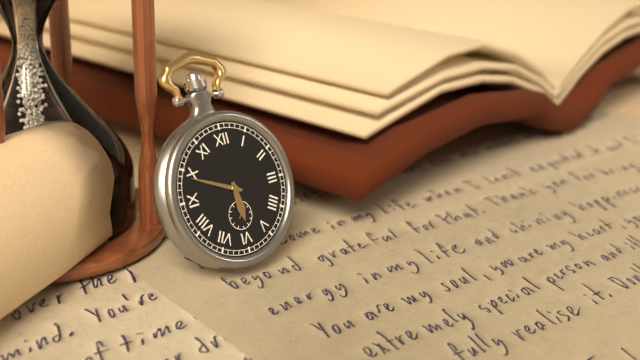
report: 5,49
